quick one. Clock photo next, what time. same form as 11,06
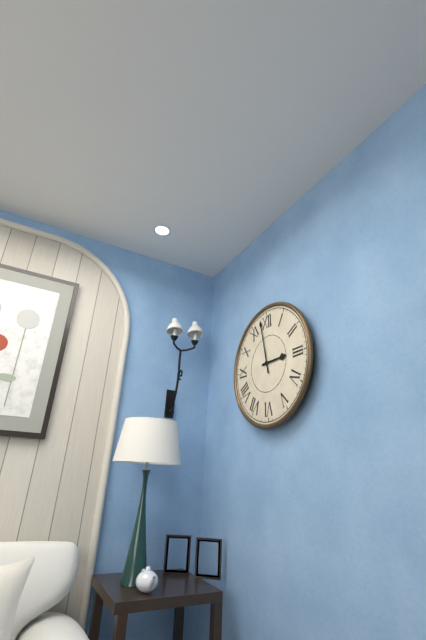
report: 2,58
